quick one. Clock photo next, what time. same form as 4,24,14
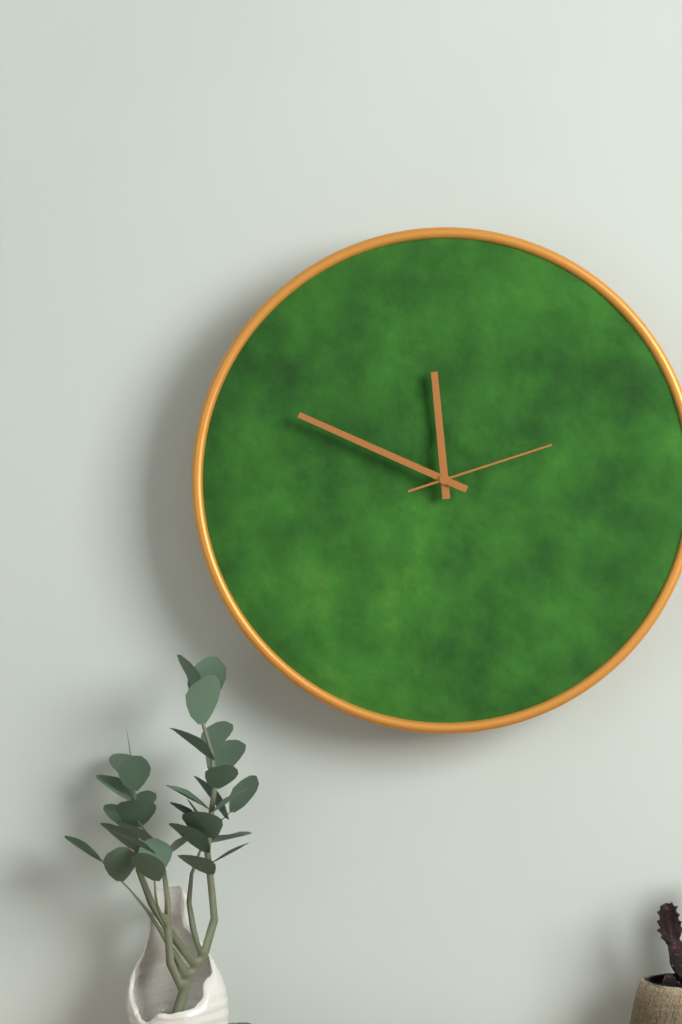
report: 11,49,12
